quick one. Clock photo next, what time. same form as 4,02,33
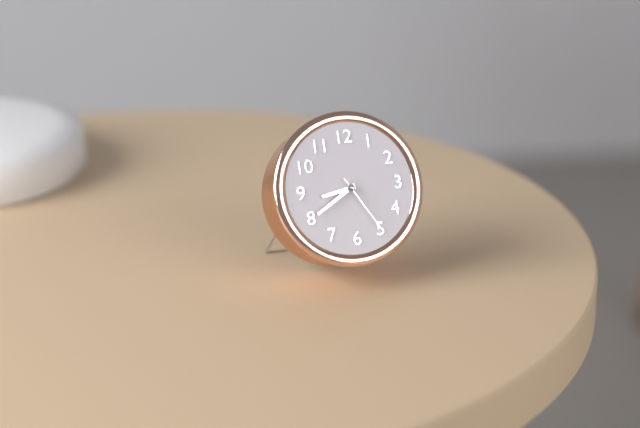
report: 8,40,25
